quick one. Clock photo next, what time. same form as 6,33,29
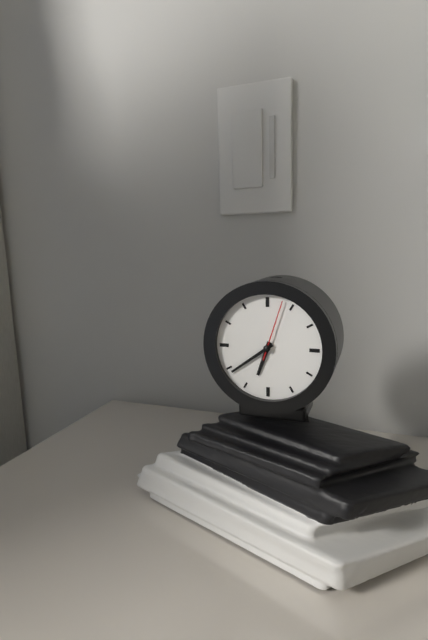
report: 6,39,03
